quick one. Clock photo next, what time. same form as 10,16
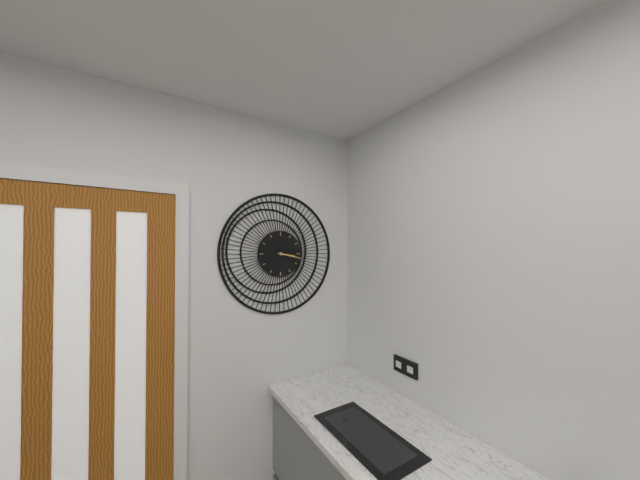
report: 3,17
